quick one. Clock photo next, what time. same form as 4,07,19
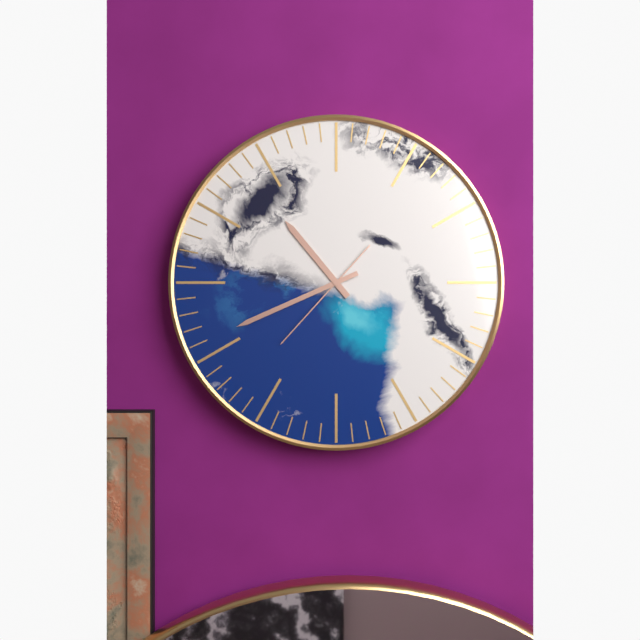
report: 10,41,37
